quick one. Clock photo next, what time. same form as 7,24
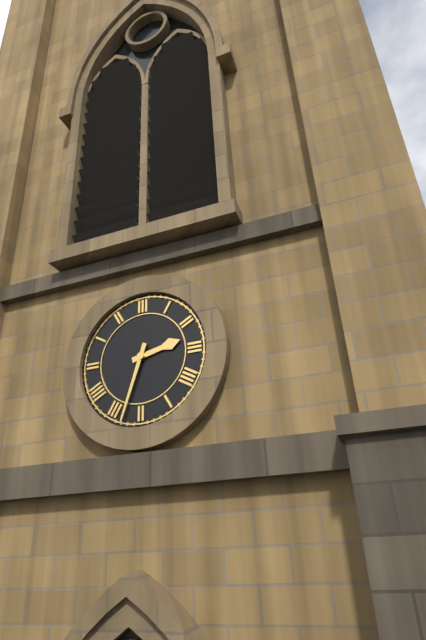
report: 2,33
